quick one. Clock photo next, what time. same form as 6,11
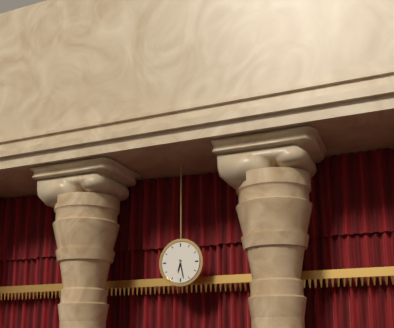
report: 6,28
